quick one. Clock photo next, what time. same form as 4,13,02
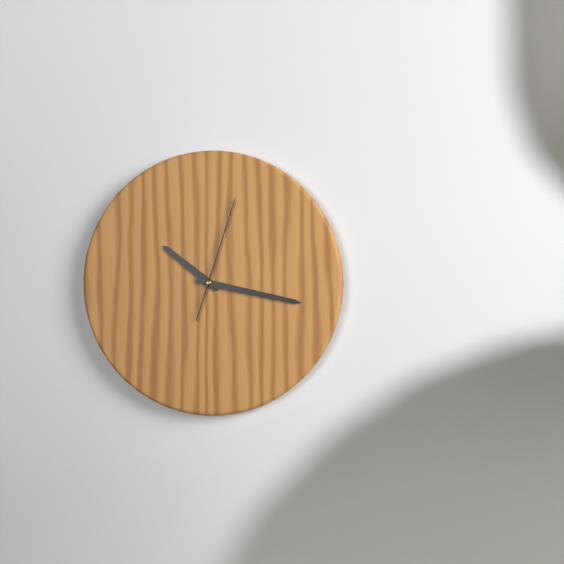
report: 10,17,03
